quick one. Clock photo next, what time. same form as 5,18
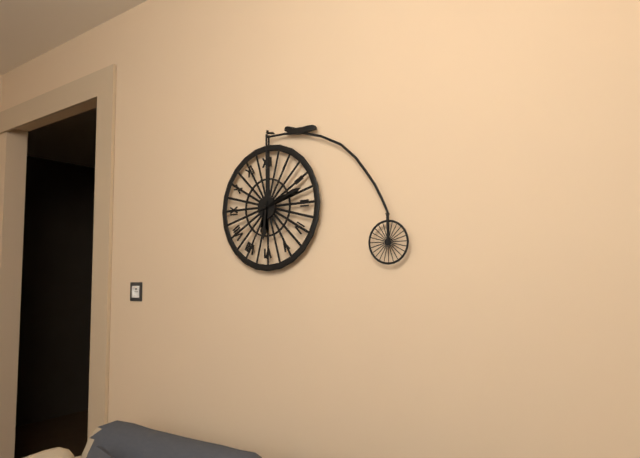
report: 6,12
